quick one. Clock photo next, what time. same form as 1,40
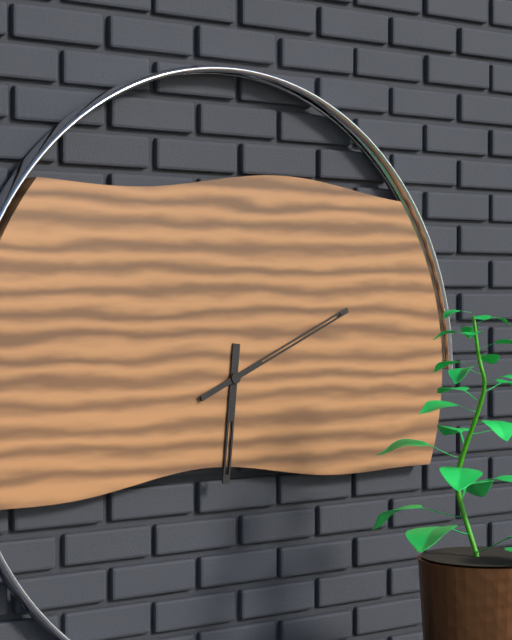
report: 6,11
